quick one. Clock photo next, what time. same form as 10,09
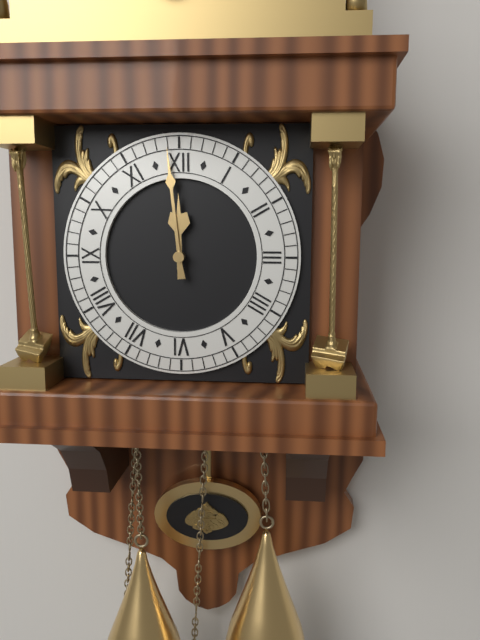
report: 11,59
